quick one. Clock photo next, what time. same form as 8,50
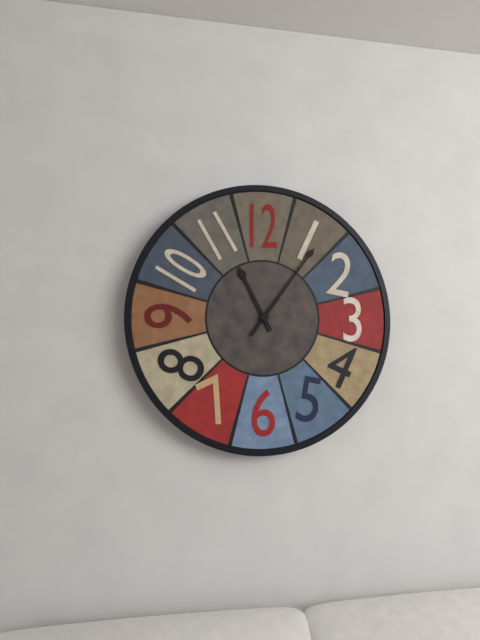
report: 11,06
